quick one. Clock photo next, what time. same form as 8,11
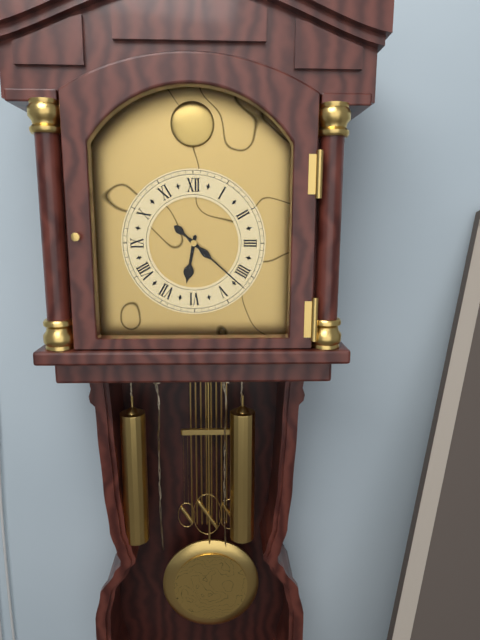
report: 6,22
